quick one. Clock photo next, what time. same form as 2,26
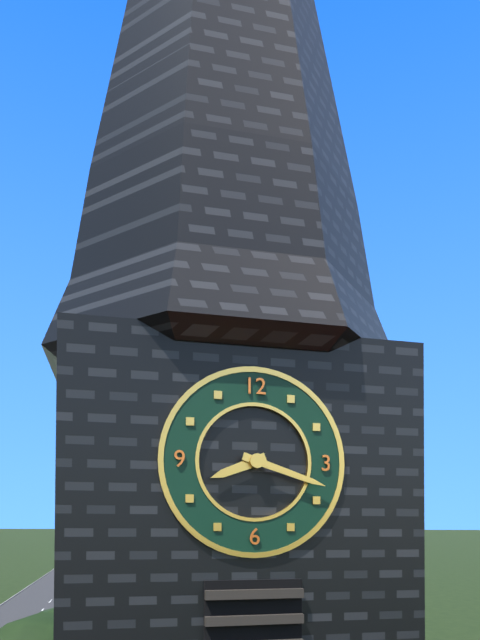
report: 8,18
